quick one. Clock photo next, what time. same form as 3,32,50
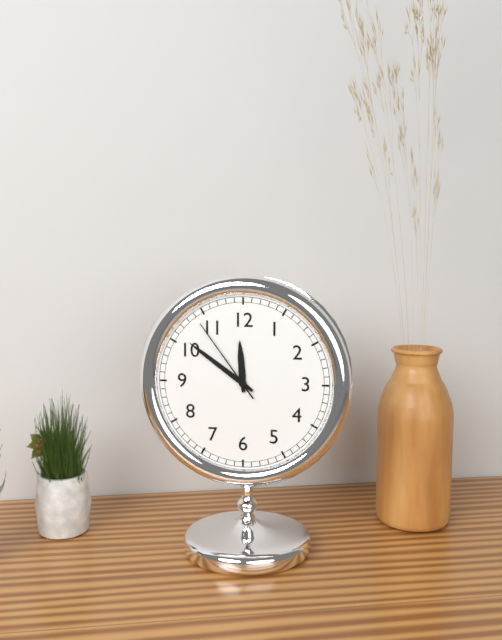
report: 11,51,54
